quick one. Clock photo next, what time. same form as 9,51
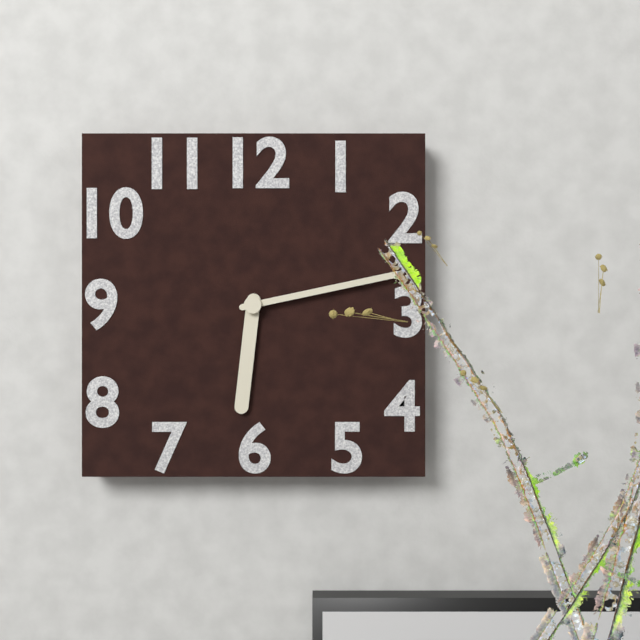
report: 6,13
